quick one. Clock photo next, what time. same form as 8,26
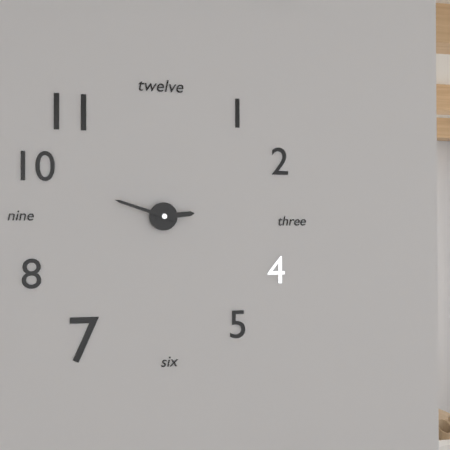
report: 2,48
